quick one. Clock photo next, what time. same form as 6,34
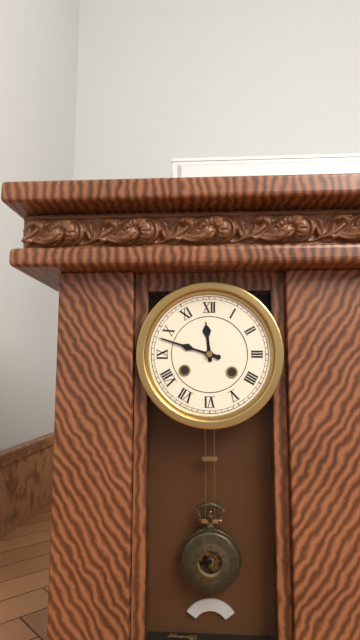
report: 11,48
